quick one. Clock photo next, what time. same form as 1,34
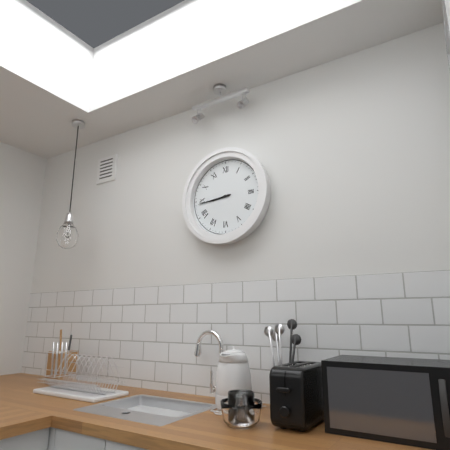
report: 8,44
